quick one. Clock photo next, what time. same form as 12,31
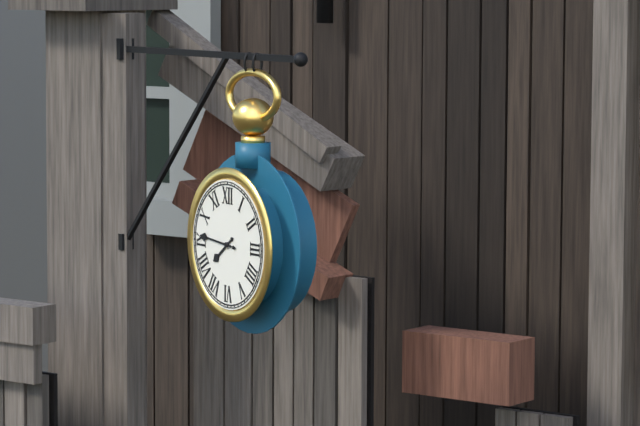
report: 7,46
